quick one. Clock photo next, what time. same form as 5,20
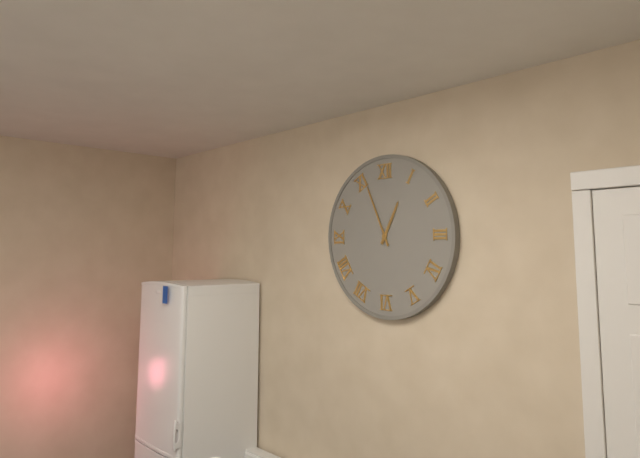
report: 12,56
